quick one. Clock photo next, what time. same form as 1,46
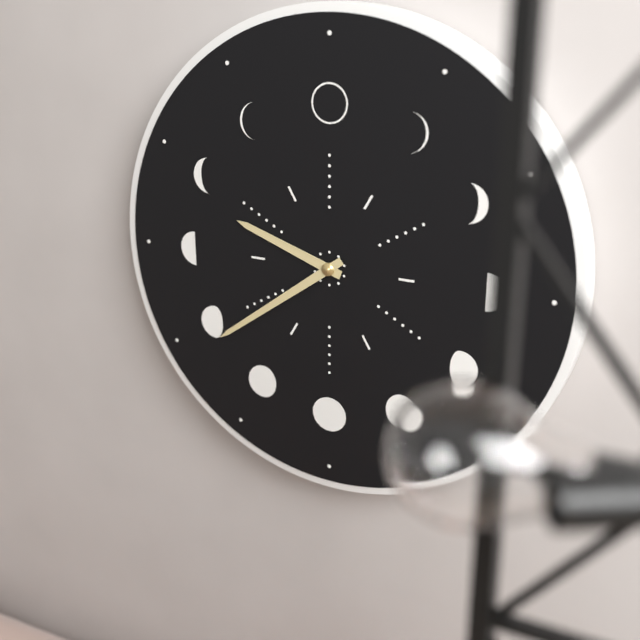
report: 9,39
